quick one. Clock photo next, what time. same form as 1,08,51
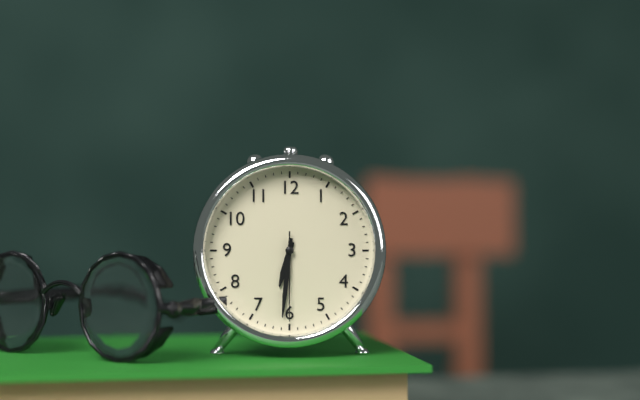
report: 6,31,30
